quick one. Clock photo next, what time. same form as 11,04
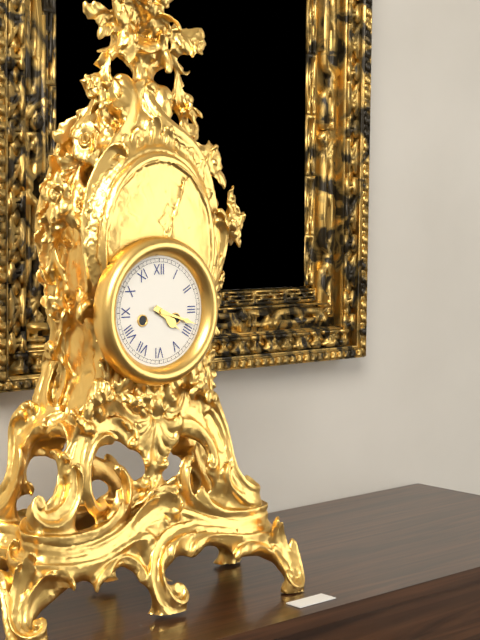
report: 4,18
